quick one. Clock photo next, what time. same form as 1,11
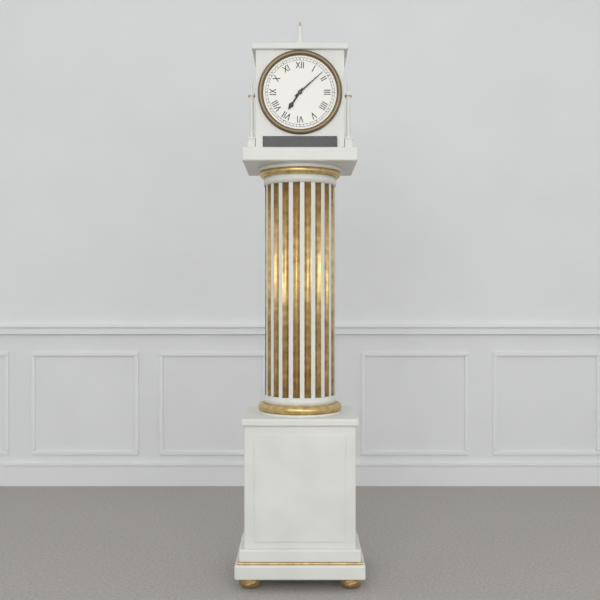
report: 7,08
